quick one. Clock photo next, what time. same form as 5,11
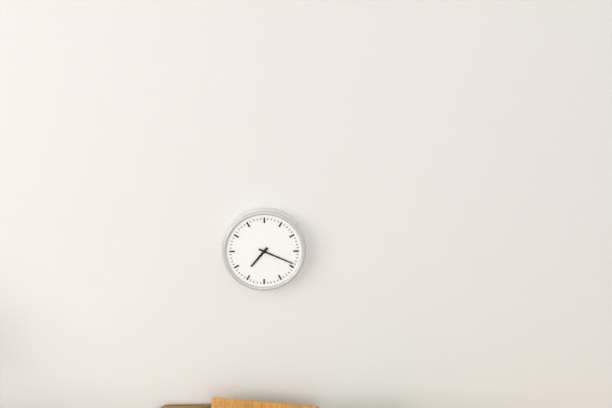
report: 7,19
